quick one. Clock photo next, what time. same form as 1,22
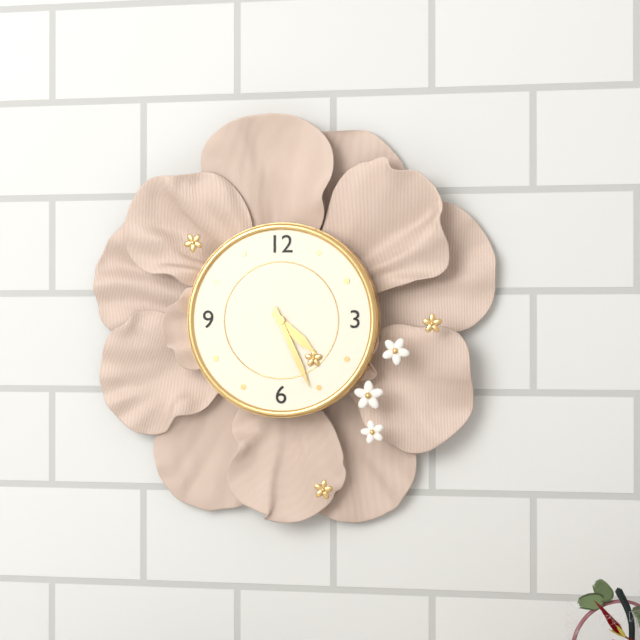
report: 4,26
